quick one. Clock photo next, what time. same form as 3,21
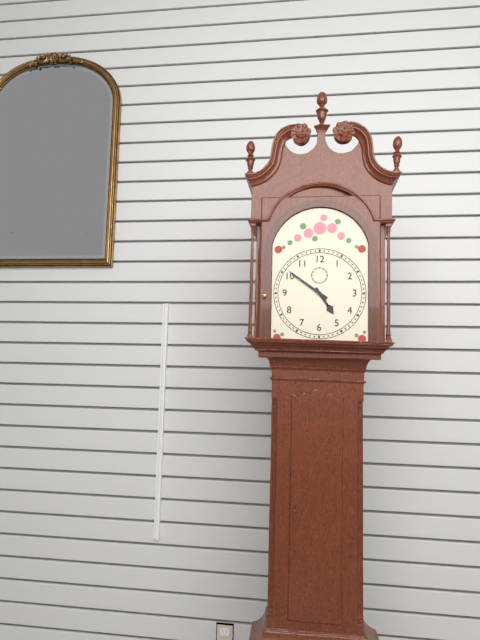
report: 4,51
